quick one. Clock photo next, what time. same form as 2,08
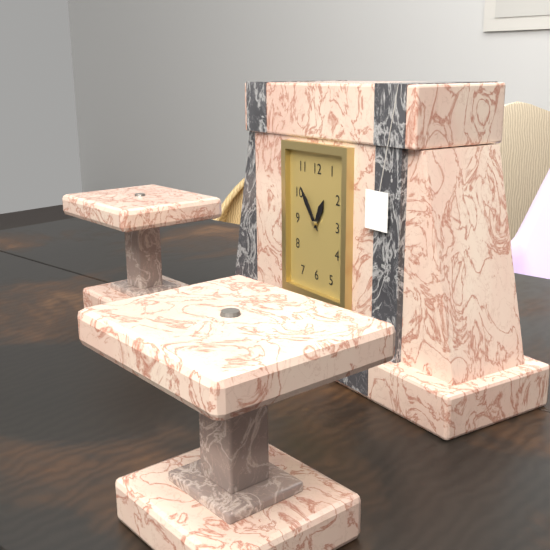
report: 12,54
